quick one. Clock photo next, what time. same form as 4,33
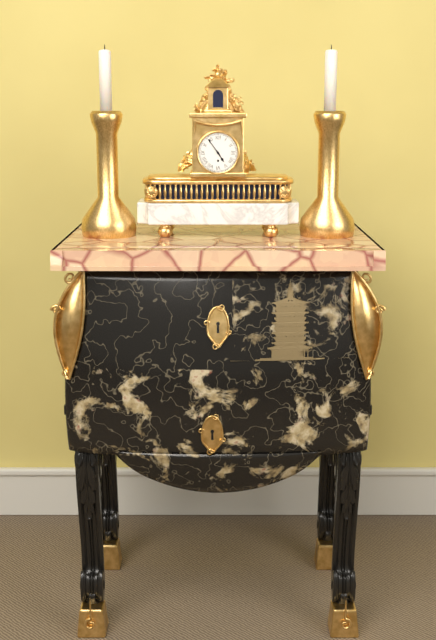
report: 4,54
